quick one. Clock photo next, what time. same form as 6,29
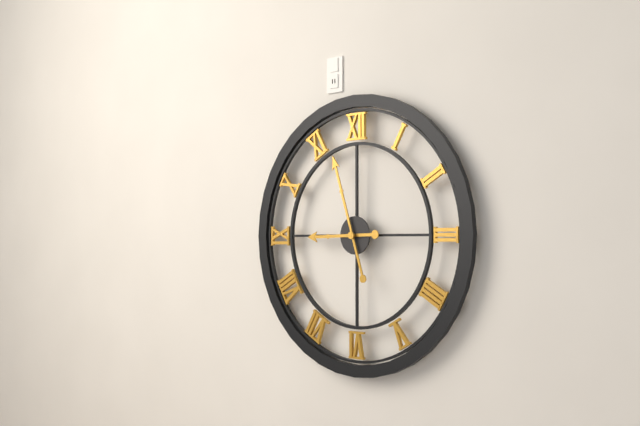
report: 8,57
